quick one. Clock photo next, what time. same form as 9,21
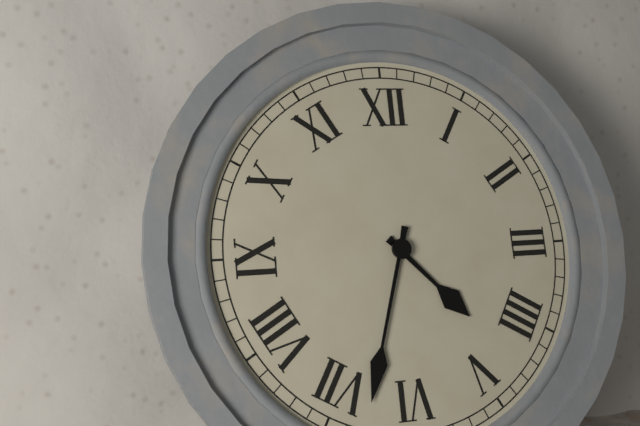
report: 4,33
